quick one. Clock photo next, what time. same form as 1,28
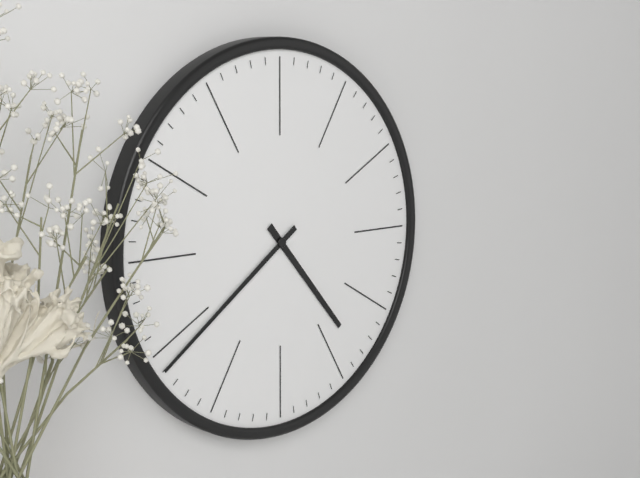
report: 4,39
